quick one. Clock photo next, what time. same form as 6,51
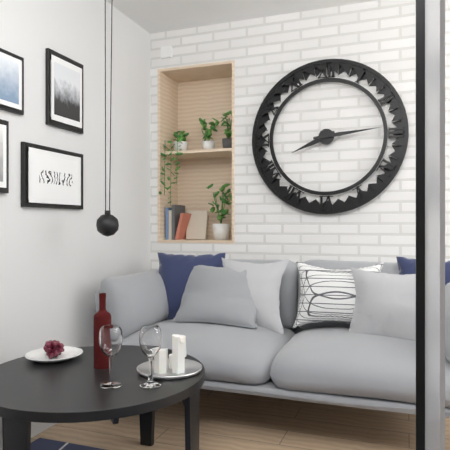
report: 8,14
